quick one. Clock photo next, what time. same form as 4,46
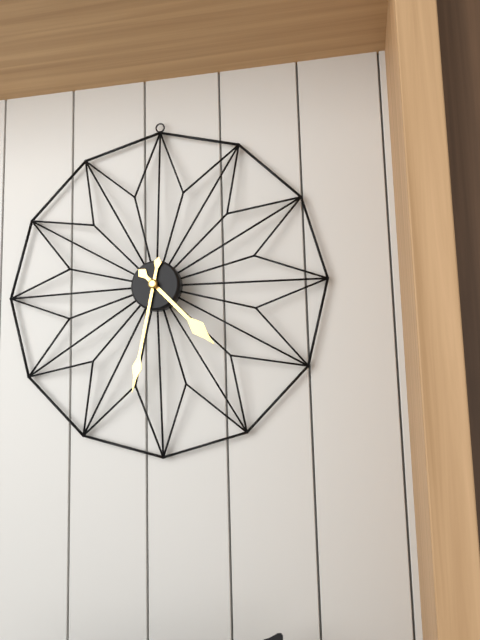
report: 4,32
